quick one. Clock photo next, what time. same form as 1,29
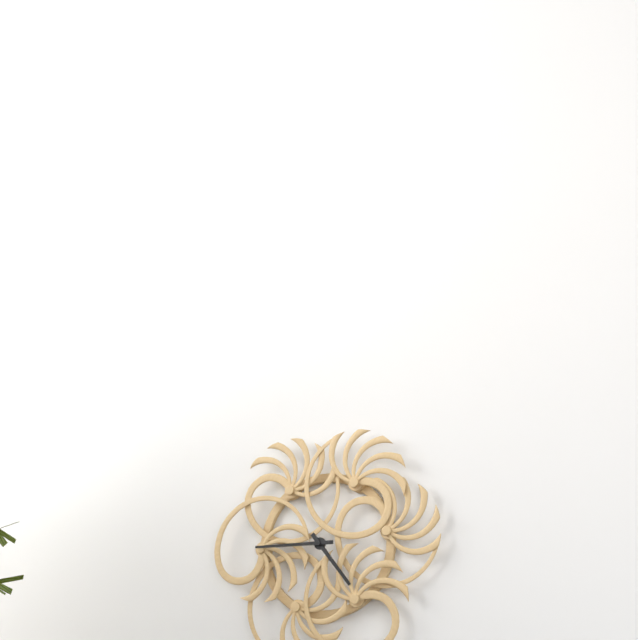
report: 4,45
